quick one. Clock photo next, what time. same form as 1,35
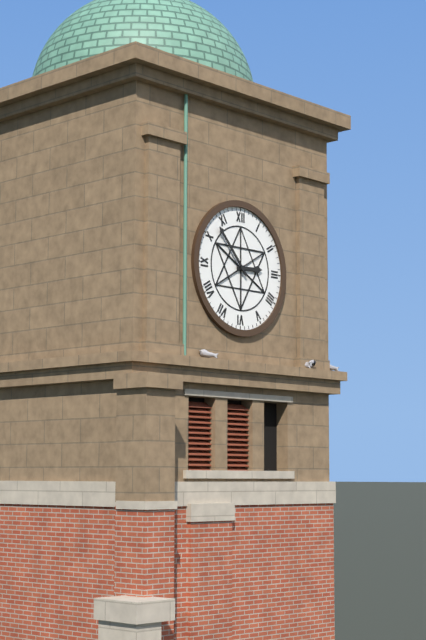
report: 2,53
